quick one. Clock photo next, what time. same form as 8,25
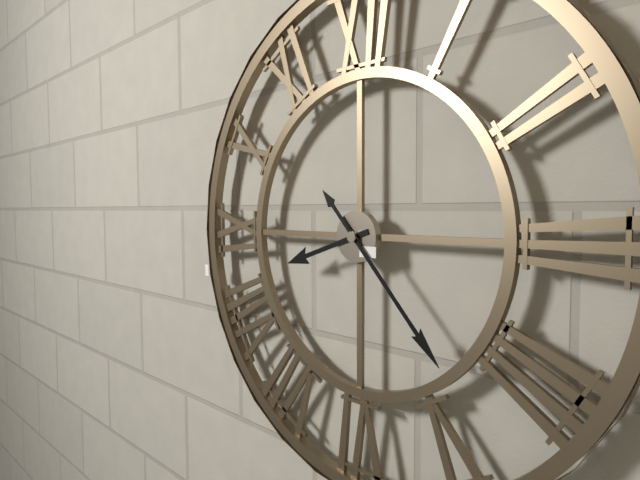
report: 8,23
